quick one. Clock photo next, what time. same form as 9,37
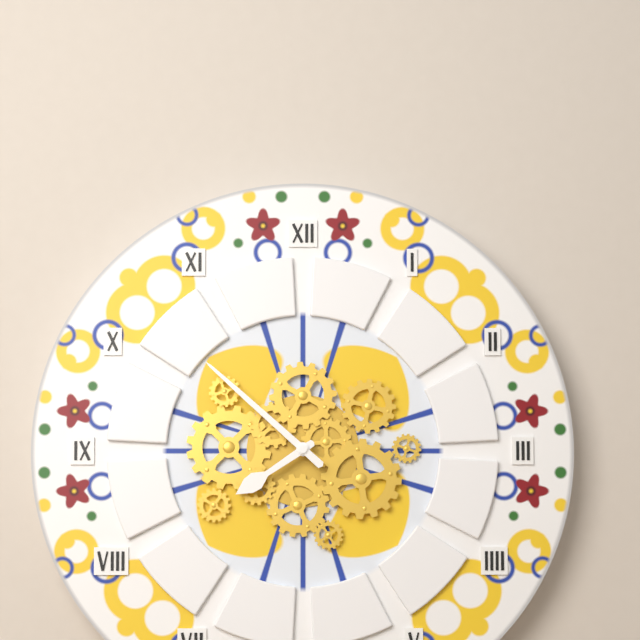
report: 7,52
